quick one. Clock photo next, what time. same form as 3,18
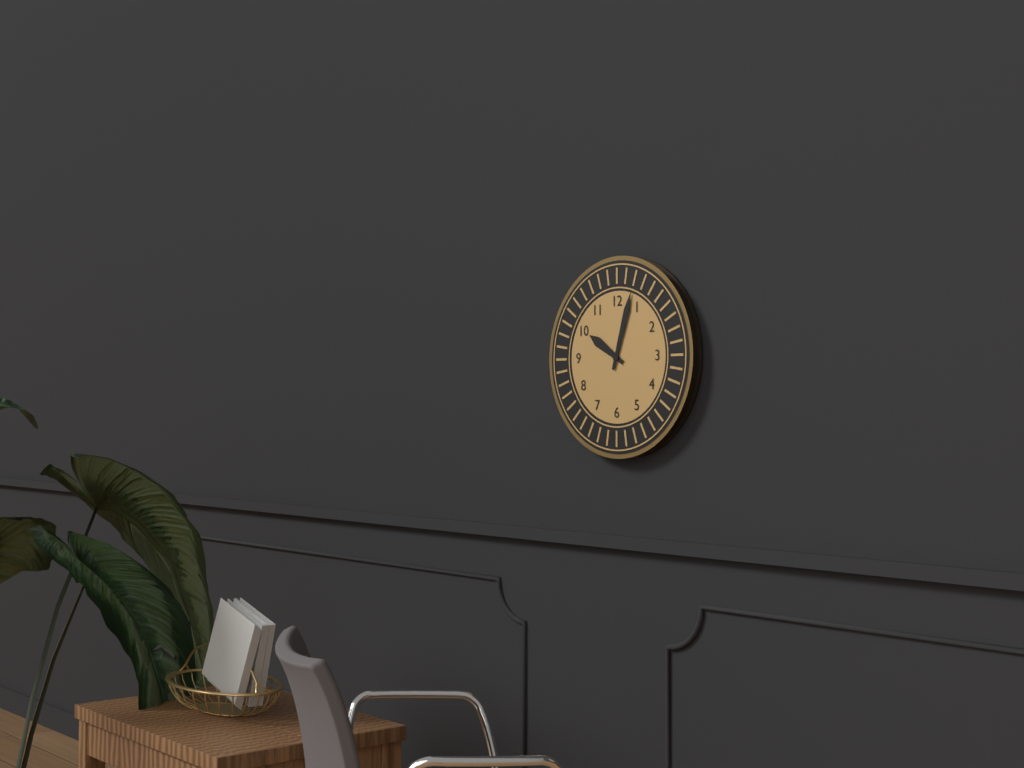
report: 10,03
